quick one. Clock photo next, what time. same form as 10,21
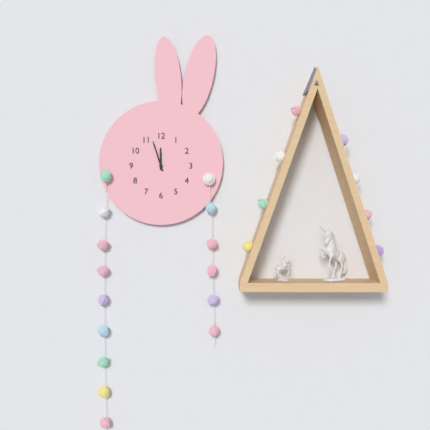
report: 11,57
